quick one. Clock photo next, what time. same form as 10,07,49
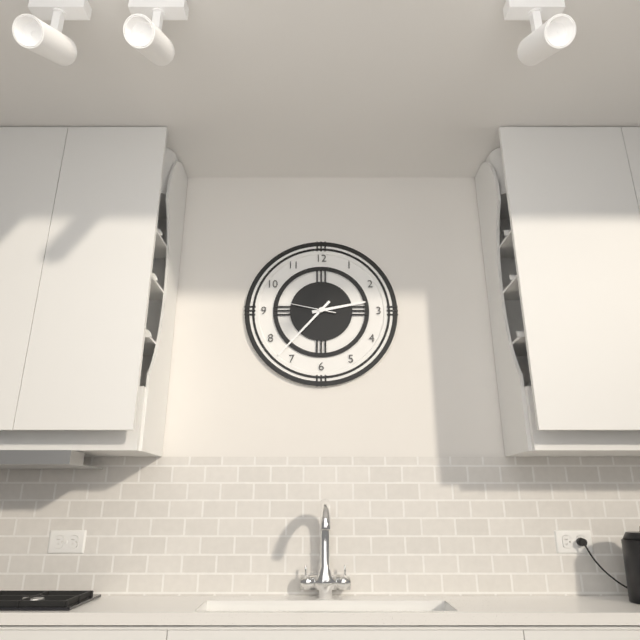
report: 2,37,47
